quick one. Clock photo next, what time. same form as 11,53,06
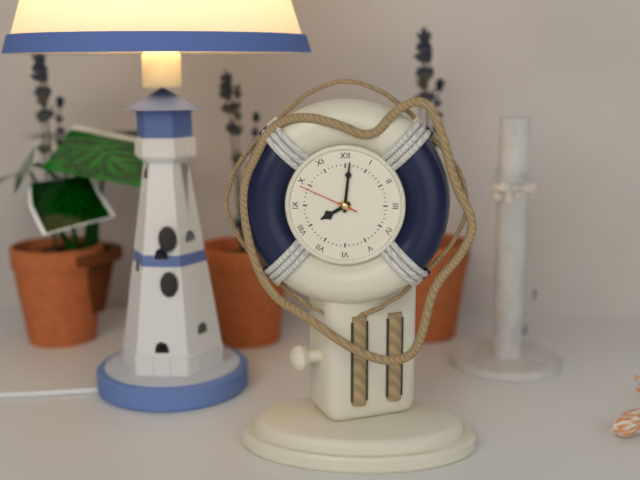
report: 8,01,49
